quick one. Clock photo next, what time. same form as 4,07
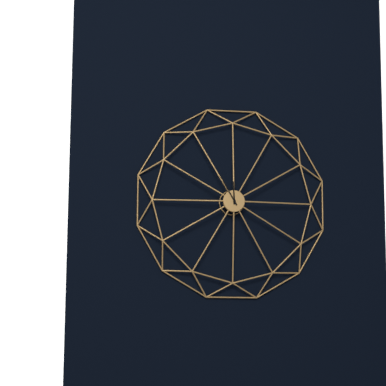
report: 11,55
